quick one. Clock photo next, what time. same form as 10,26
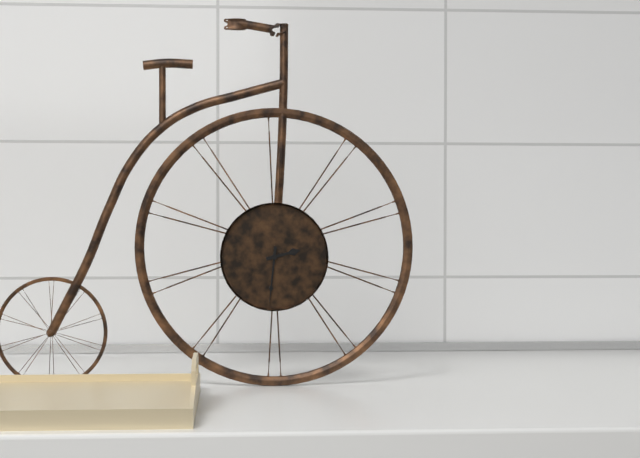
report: 2,31
